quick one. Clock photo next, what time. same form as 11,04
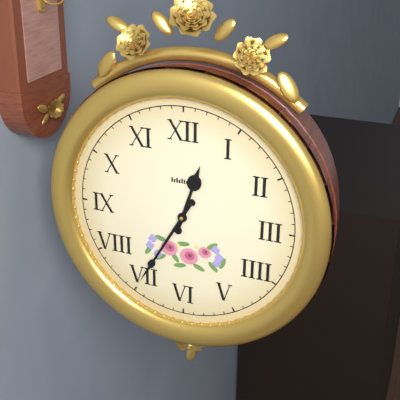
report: 12,35
